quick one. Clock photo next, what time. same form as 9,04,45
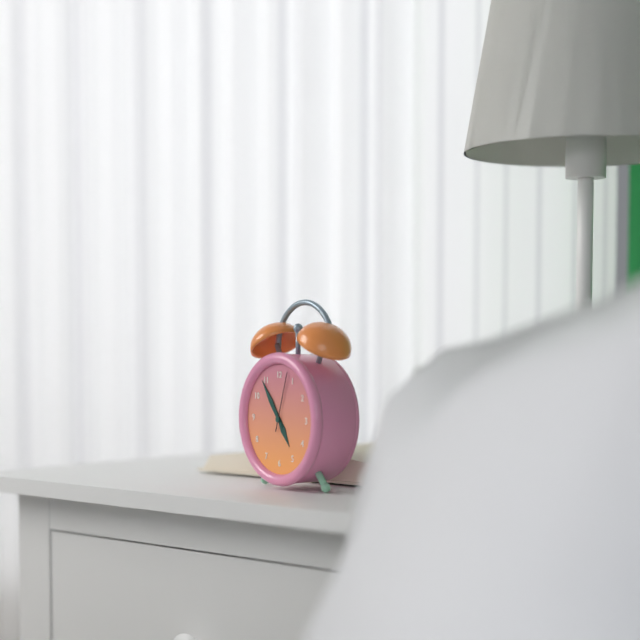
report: 4,54,03
